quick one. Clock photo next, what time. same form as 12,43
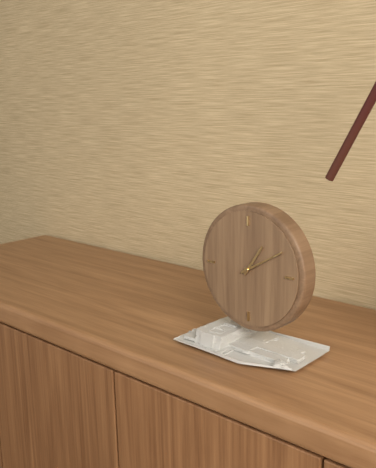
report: 1,10
